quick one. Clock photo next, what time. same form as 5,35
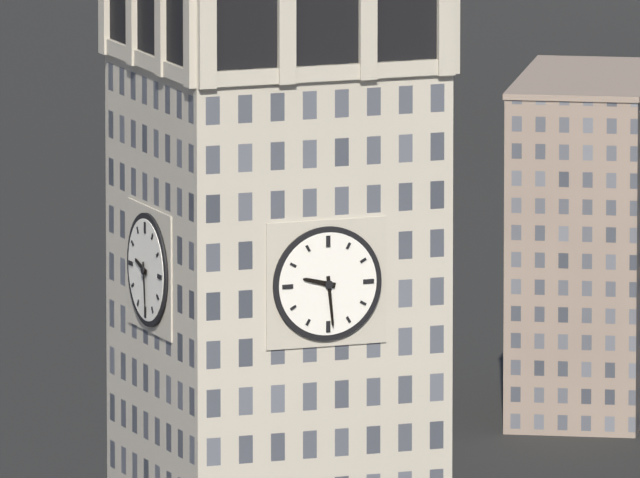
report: 9,29
